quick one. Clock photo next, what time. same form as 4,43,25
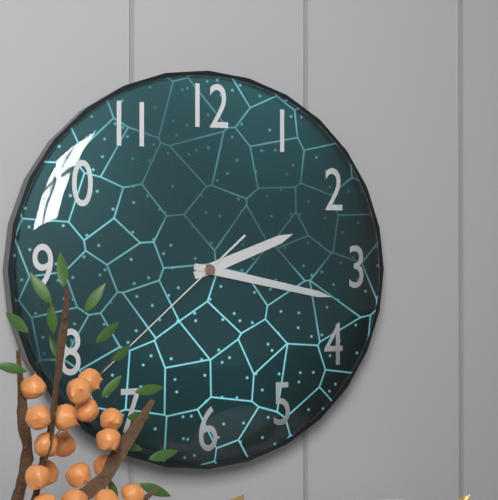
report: 2,17,38
